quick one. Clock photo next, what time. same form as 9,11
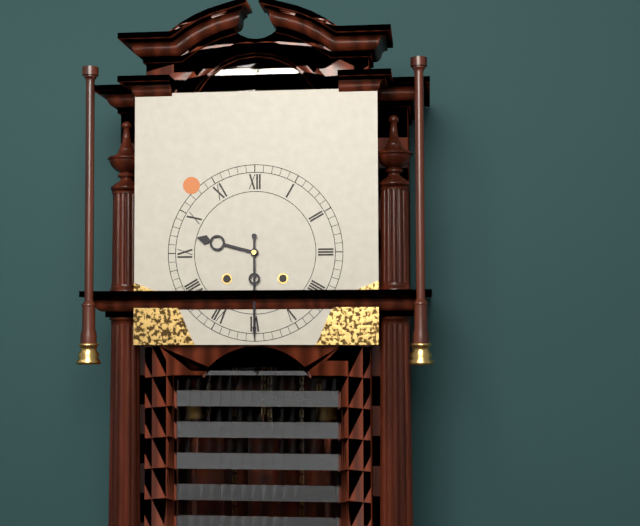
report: 9,30
